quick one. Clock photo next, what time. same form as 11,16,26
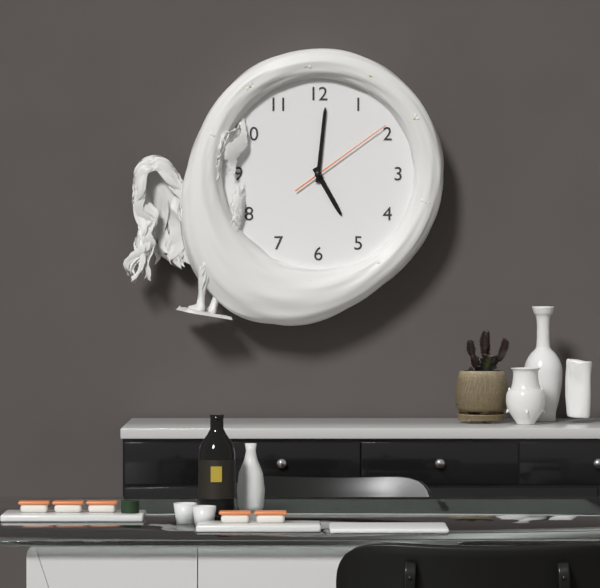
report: 5,01,09
